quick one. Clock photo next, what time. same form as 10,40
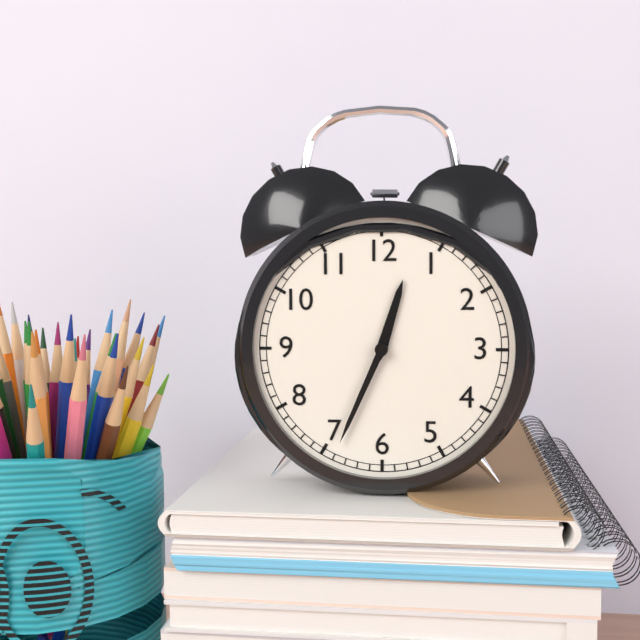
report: 12,34
